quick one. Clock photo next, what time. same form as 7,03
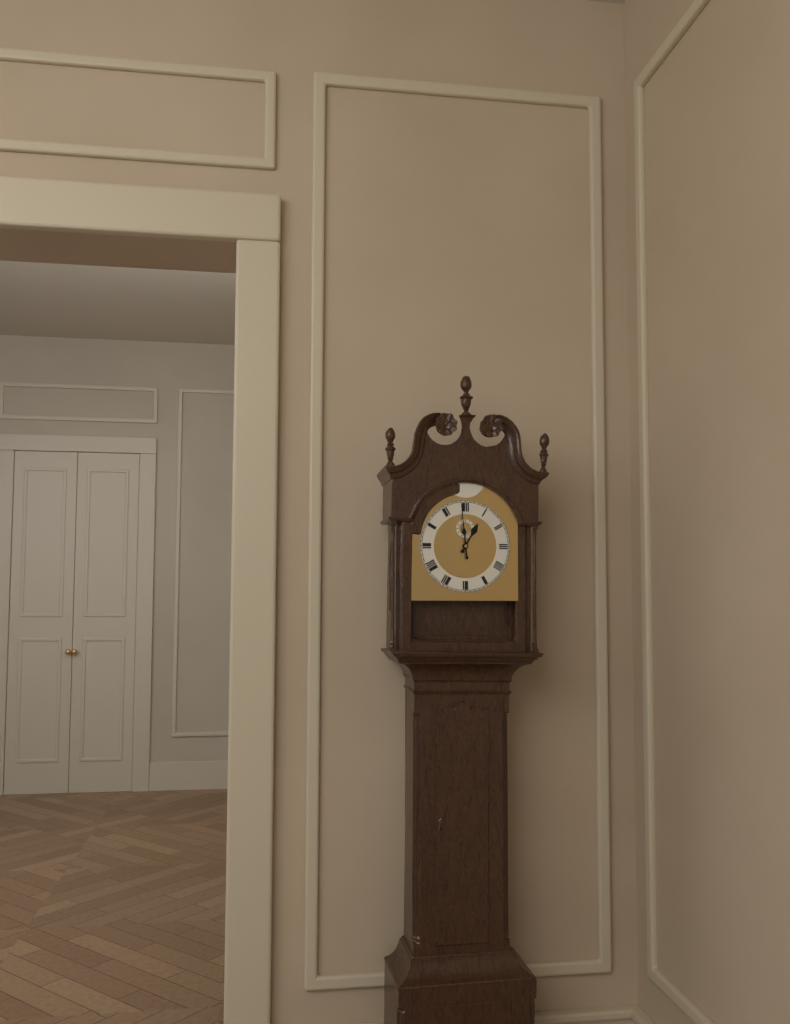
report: 12,59
